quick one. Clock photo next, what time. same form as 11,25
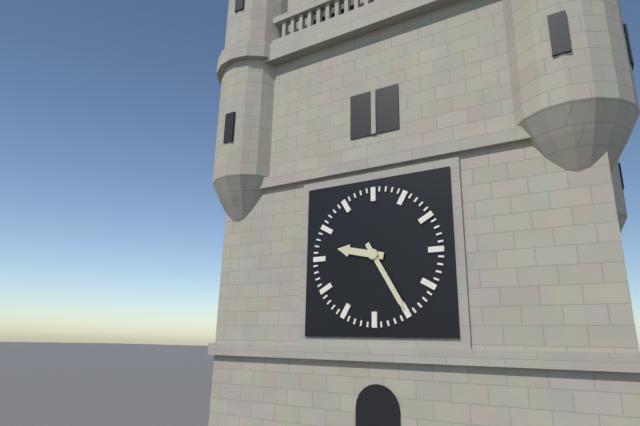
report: 9,25
